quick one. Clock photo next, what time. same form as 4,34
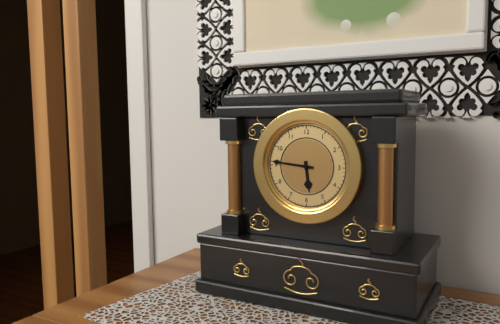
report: 5,46
